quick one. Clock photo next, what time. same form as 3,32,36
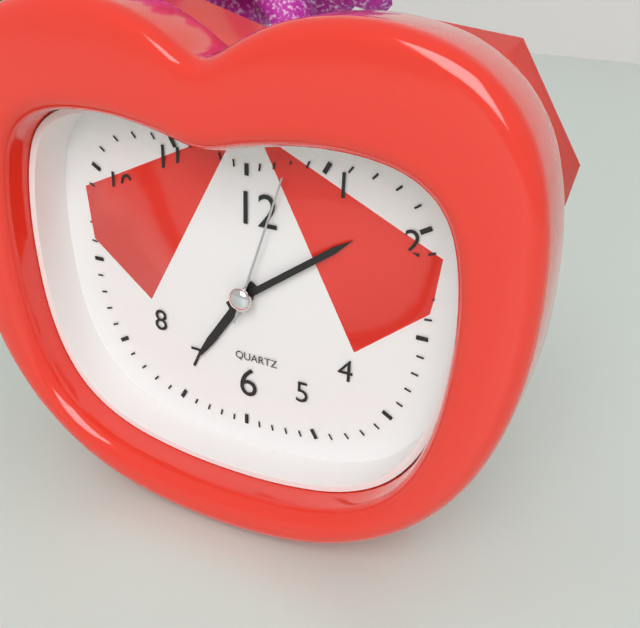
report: 7,09,03
